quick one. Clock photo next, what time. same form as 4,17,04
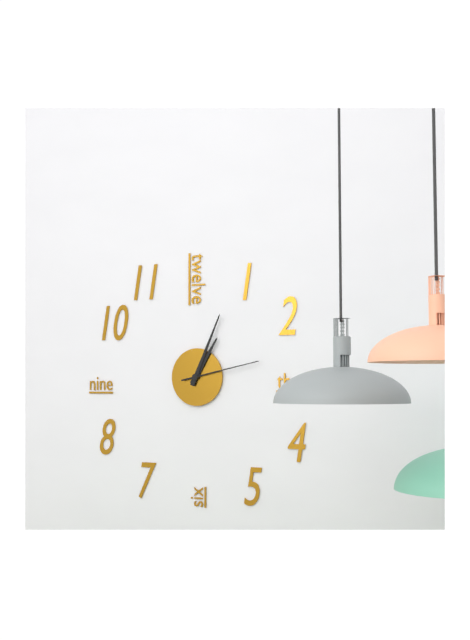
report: 1,04,13
